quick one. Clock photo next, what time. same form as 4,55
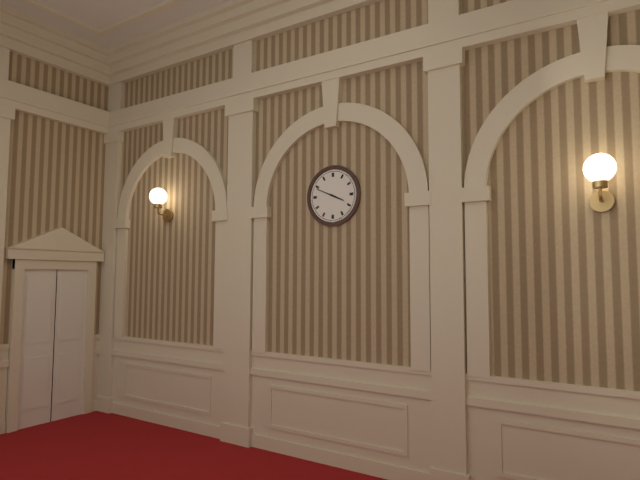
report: 3,49
